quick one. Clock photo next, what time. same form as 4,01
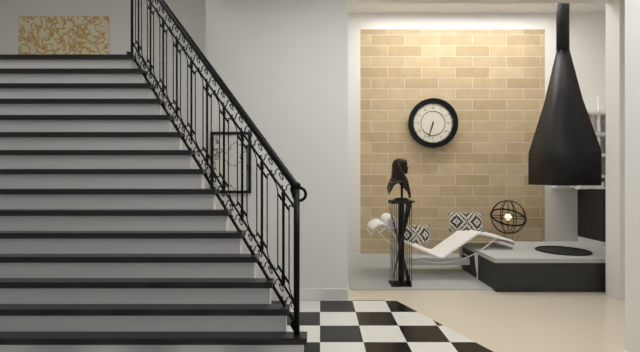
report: 6,33
